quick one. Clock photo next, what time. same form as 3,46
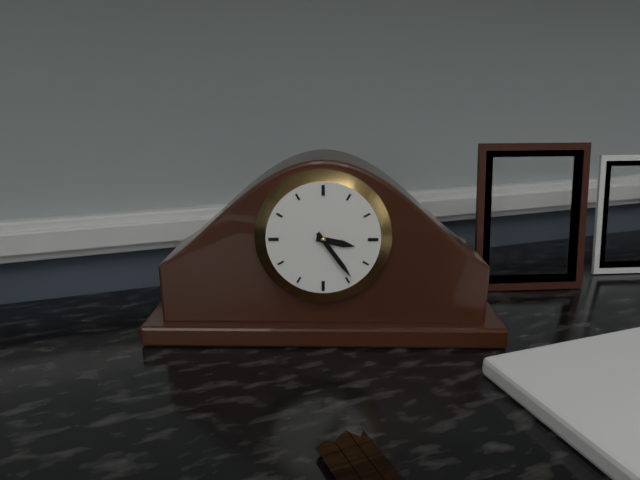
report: 3,24
